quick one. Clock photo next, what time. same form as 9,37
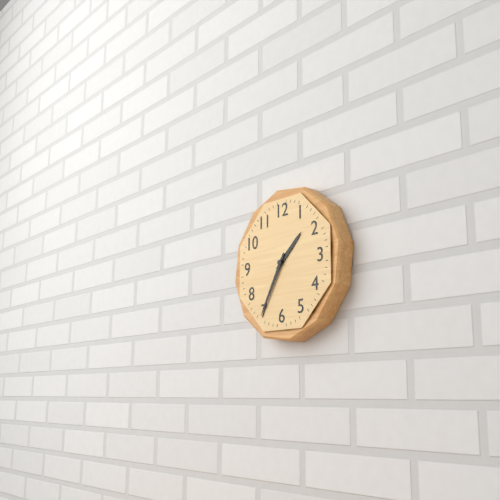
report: 1,35
